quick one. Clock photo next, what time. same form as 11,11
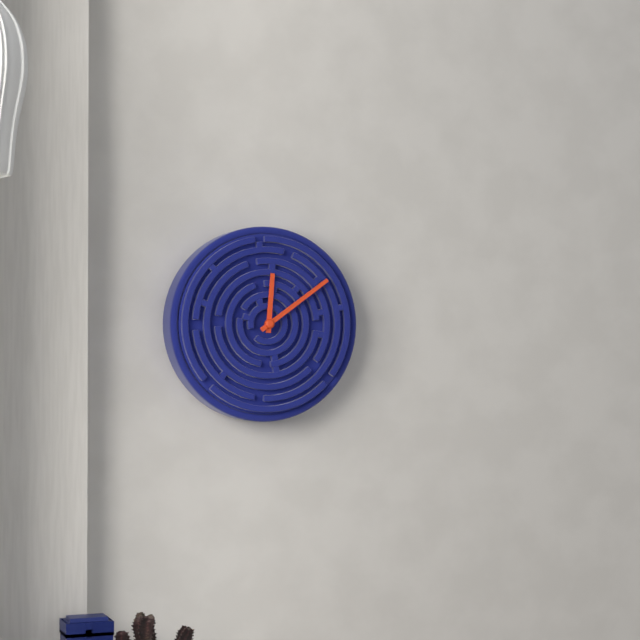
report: 12,09
